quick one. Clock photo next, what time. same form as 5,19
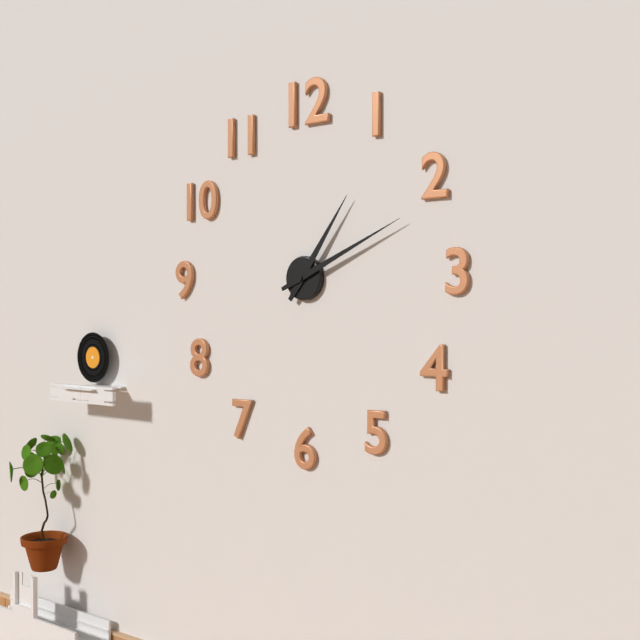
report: 1,11
